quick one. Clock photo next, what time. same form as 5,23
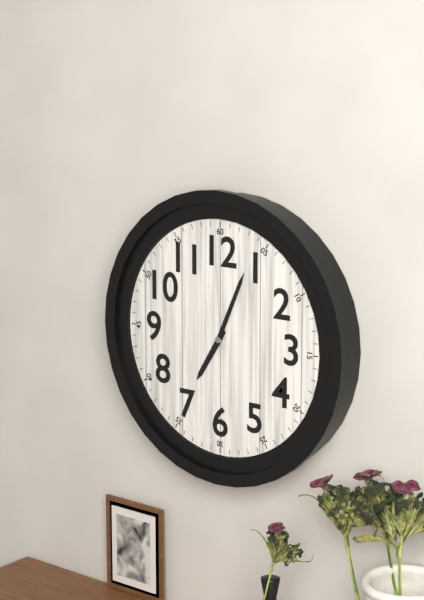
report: 7,04
